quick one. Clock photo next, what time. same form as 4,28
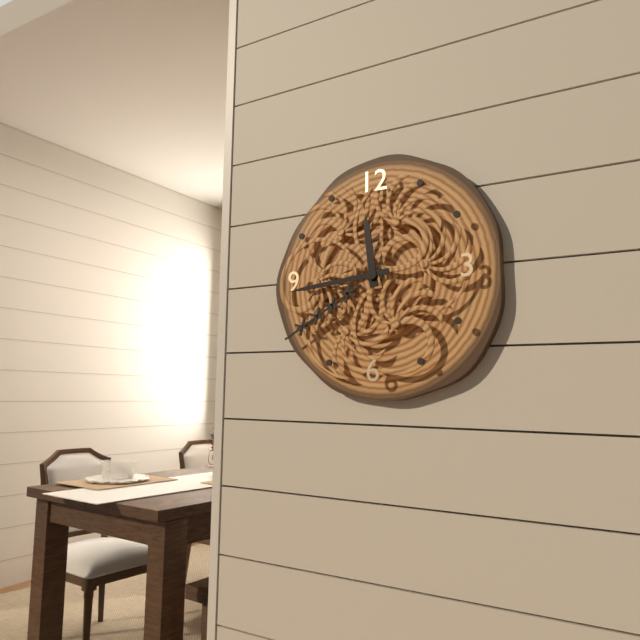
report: 11,44
